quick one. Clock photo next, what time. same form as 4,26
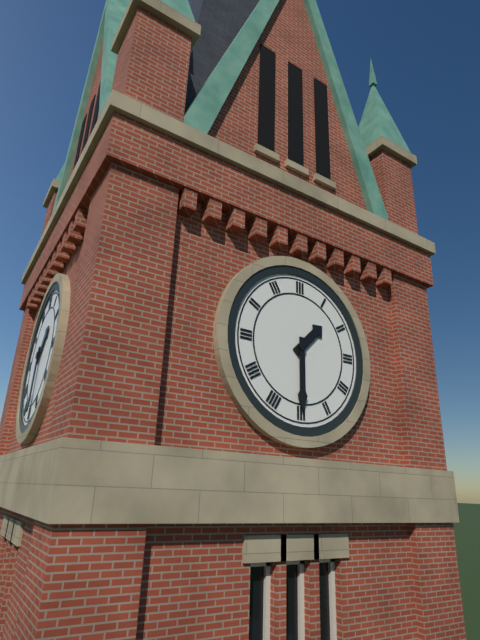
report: 1,30
